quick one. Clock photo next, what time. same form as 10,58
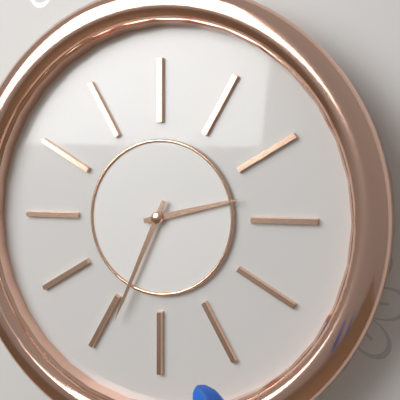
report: 2,34
